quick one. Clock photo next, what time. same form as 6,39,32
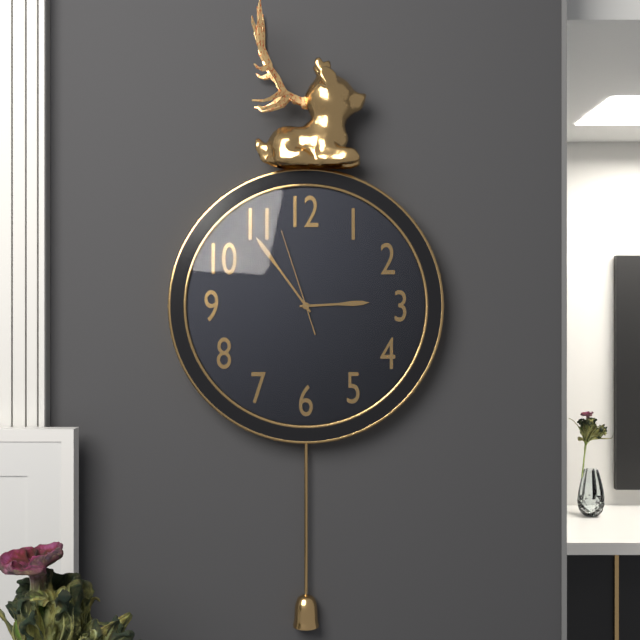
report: 2,54,57
